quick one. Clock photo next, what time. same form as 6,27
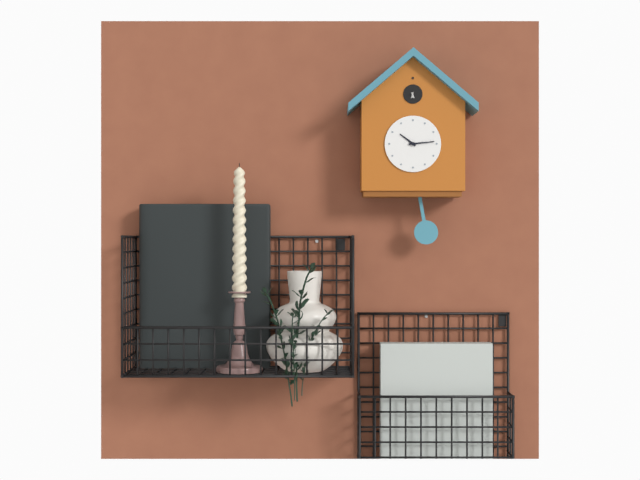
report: 10,14
